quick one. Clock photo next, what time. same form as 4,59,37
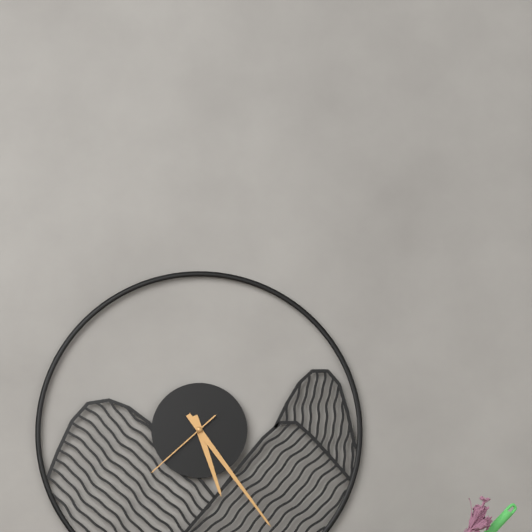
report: 5,24,38
